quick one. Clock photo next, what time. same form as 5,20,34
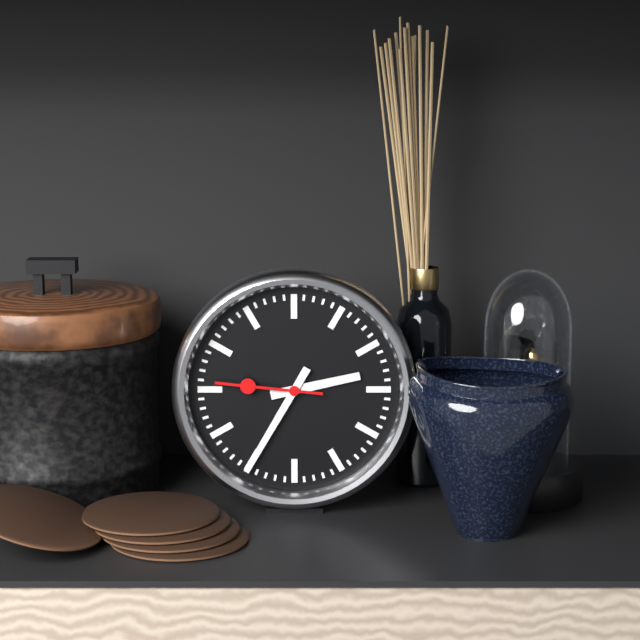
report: 2,35,46
